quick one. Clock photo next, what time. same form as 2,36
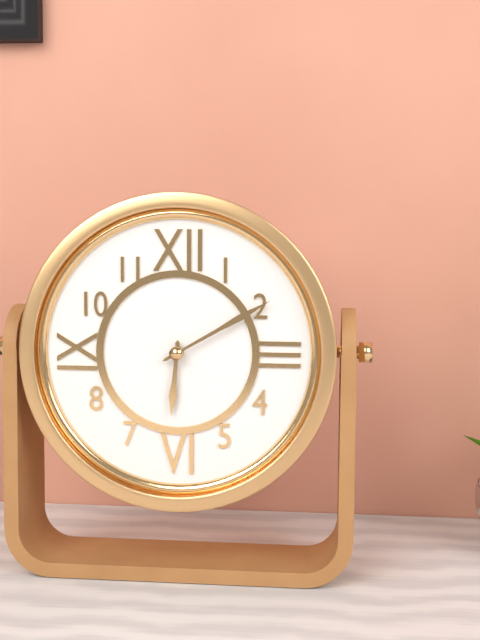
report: 6,10
